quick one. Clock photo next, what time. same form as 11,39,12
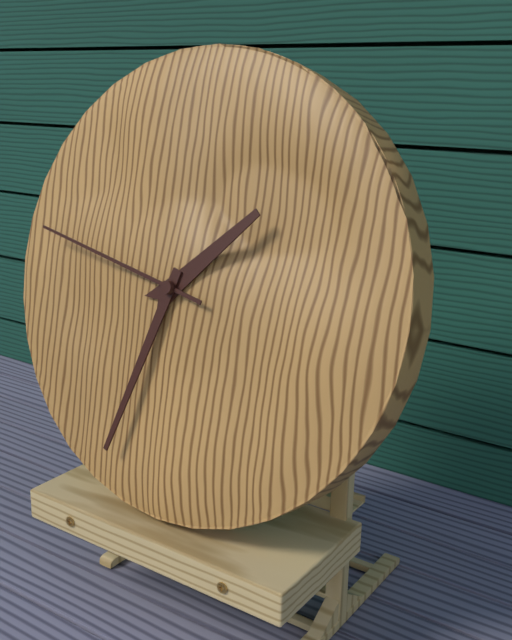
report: 1,33,47
